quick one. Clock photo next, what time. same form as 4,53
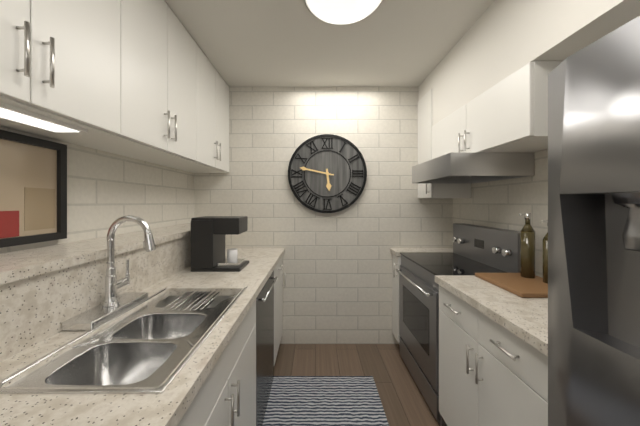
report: 5,47
